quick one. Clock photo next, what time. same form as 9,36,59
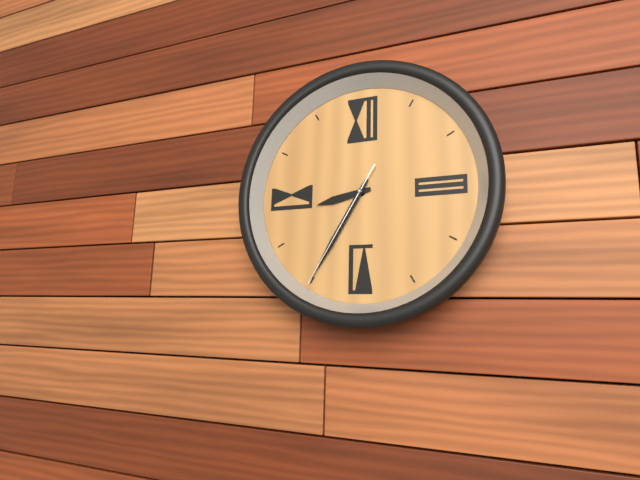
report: 8,35,35
